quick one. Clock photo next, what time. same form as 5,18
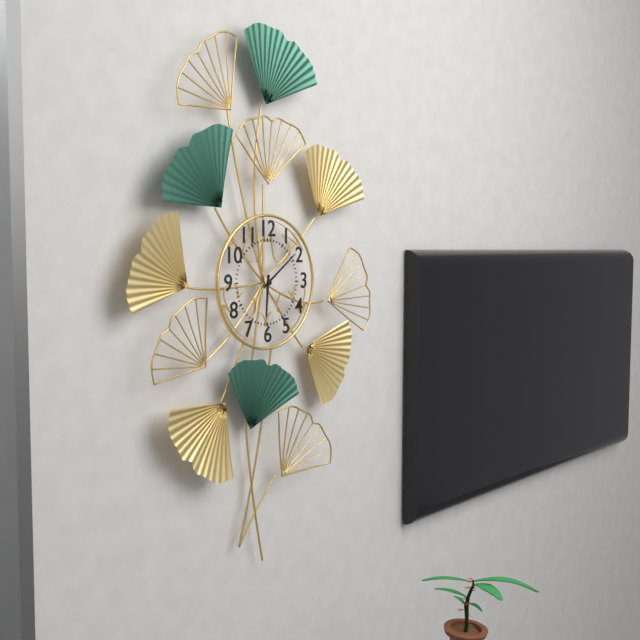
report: 6,09
